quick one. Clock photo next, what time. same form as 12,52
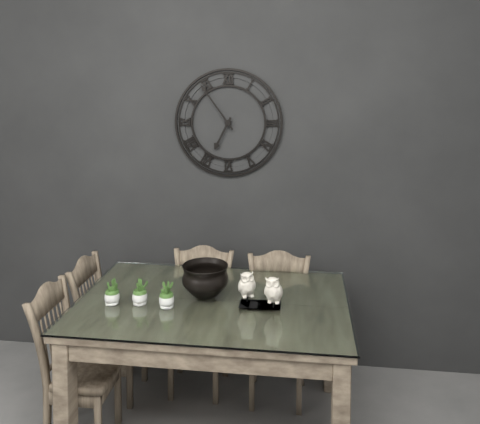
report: 6,54
